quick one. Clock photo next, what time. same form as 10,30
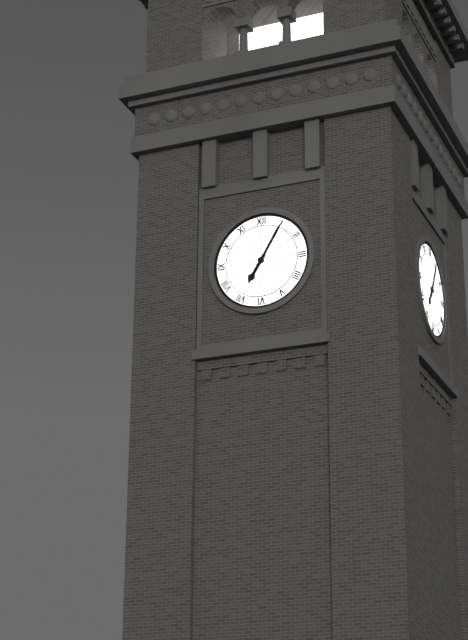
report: 7,05
